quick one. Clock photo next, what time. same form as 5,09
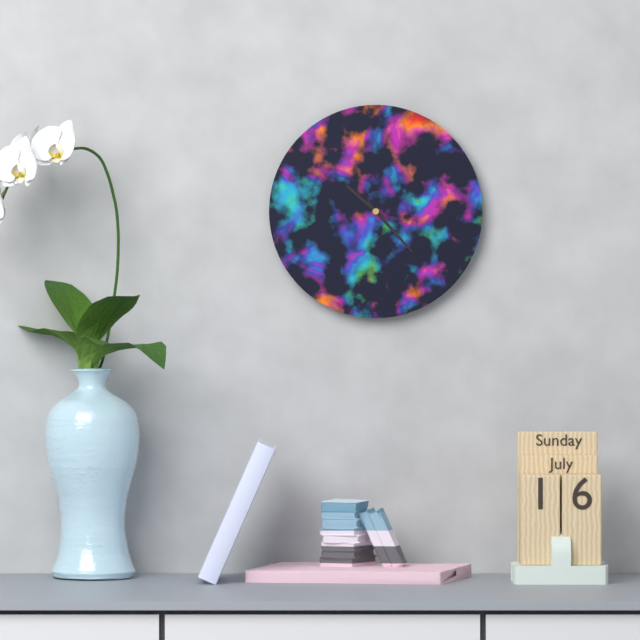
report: 10,23
